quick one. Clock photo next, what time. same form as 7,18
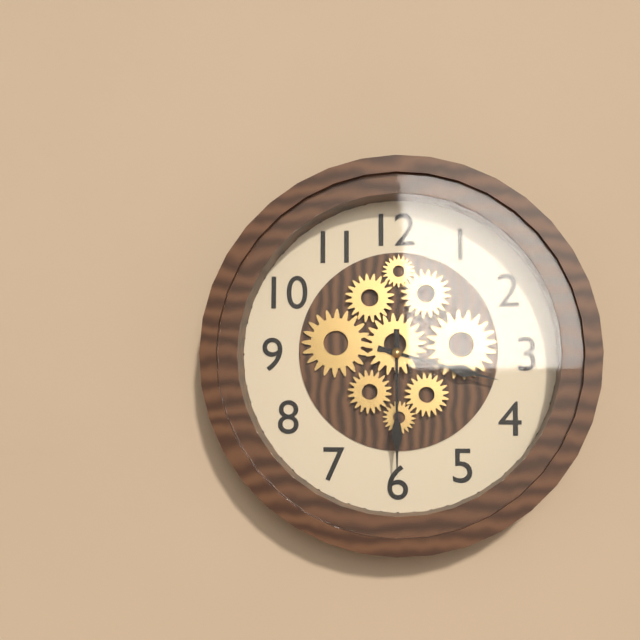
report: 3,30
